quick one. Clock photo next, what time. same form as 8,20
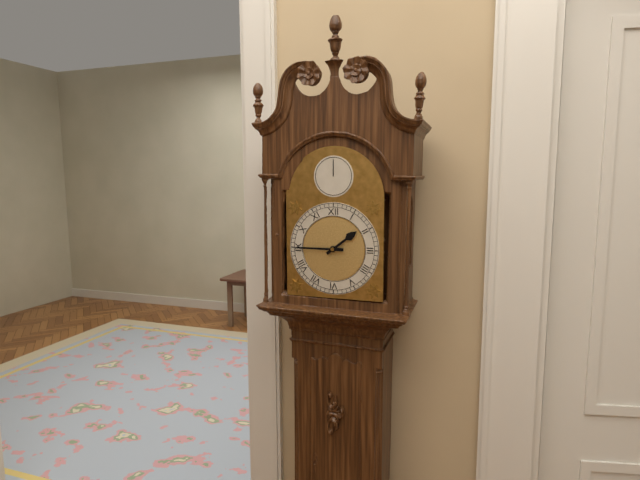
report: 1,45
